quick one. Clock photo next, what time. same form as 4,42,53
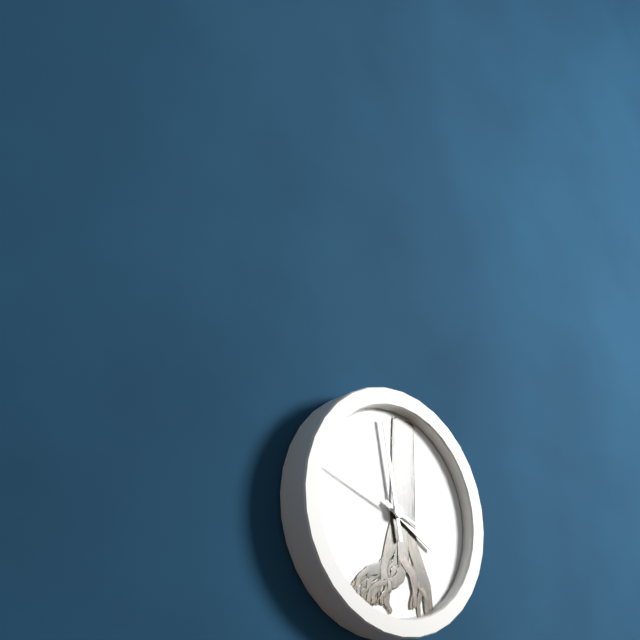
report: 3,58,48
